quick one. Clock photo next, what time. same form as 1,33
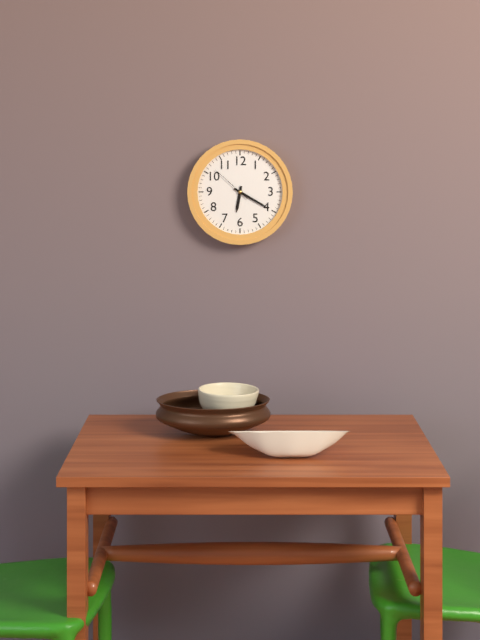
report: 6,20
